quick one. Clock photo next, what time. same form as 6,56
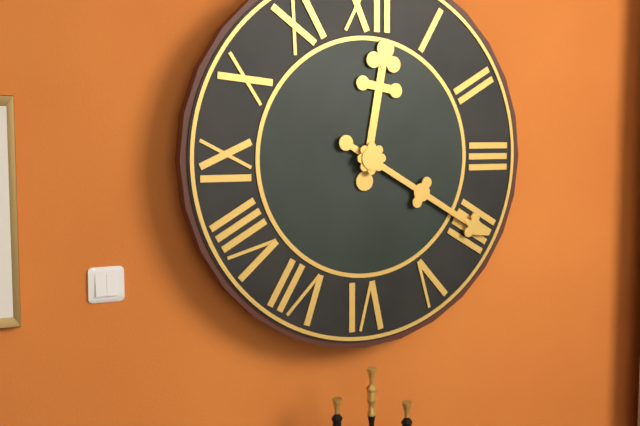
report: 12,20
